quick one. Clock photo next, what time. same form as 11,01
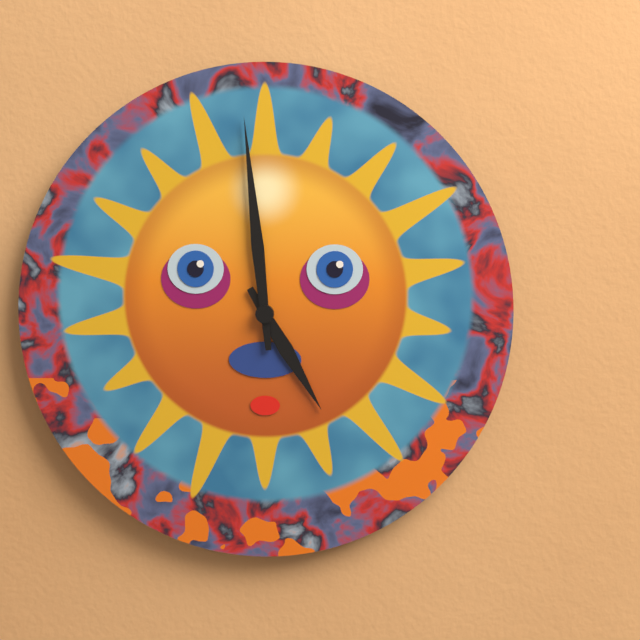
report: 4,59
